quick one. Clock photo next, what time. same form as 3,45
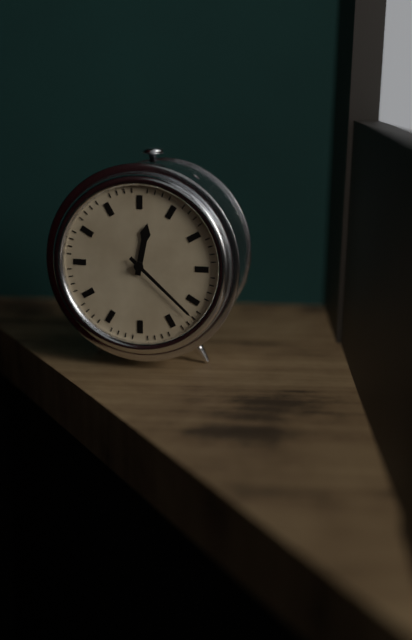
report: 12,22
